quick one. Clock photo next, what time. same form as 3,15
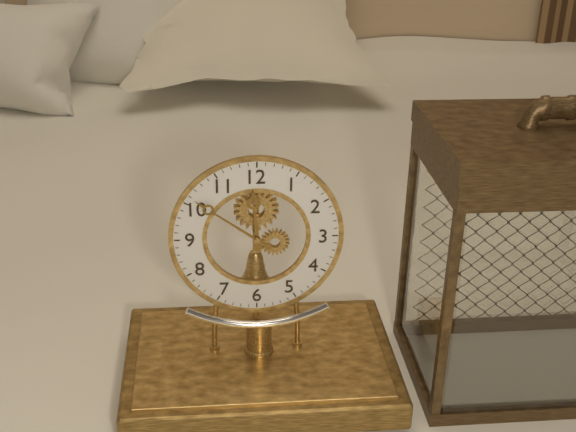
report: 11,51
